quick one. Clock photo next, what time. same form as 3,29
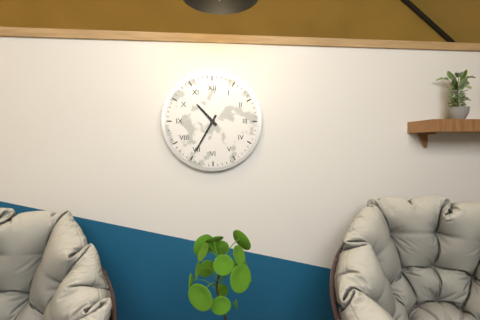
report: 10,35
